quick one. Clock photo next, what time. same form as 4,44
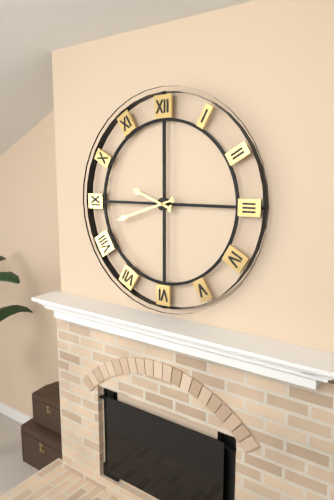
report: 9,42
